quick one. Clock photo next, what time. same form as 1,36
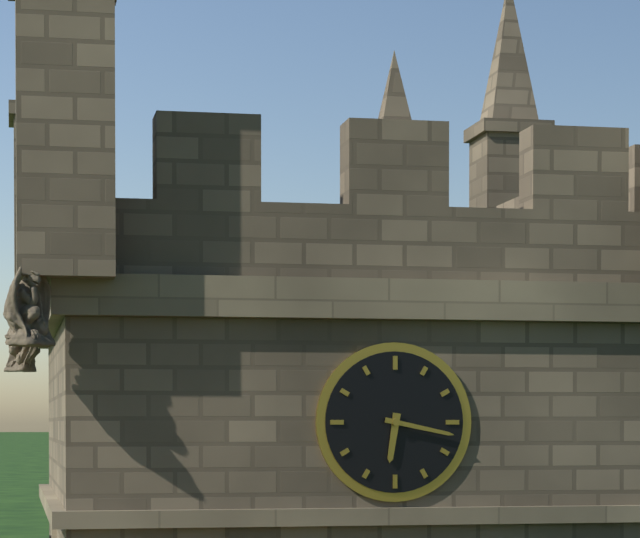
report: 6,17
